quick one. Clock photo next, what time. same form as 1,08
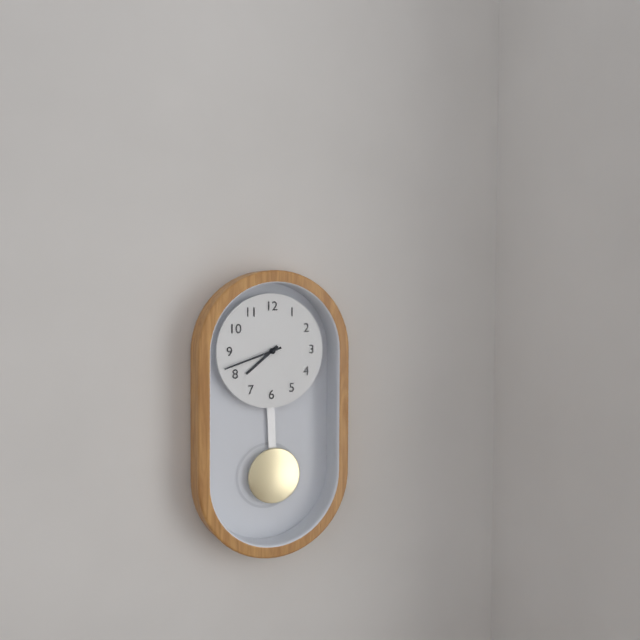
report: 7,42
